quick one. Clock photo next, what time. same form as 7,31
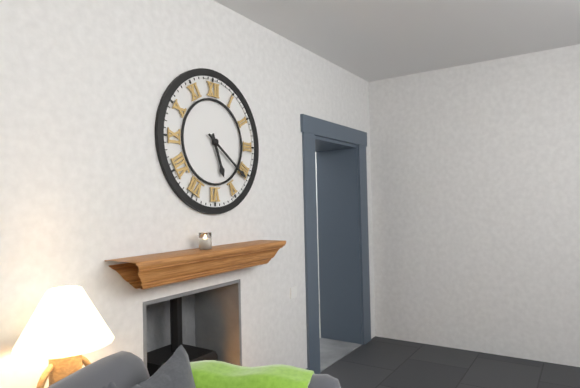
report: 5,21
